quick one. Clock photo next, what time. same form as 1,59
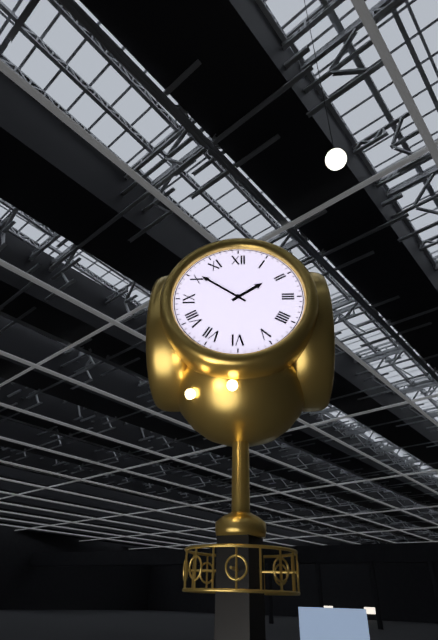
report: 1,51
